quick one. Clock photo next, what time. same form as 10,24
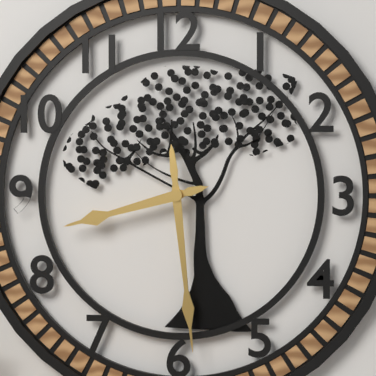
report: 8,29
